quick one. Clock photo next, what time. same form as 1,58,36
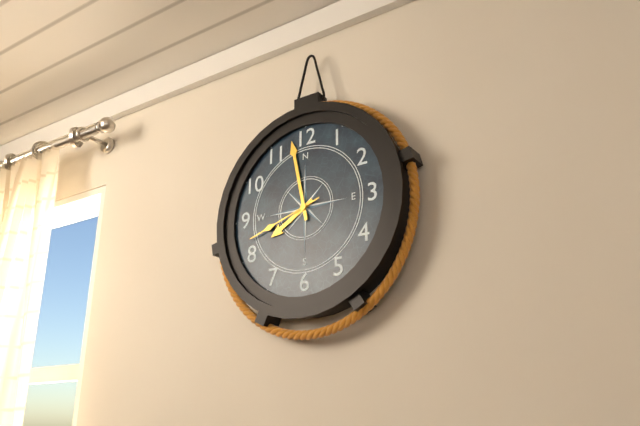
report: 7,58,42
